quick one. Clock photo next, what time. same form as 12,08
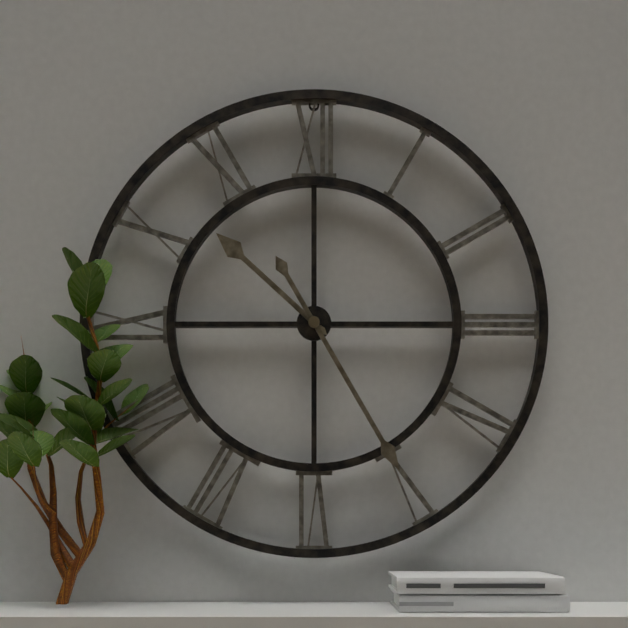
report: 10,25
